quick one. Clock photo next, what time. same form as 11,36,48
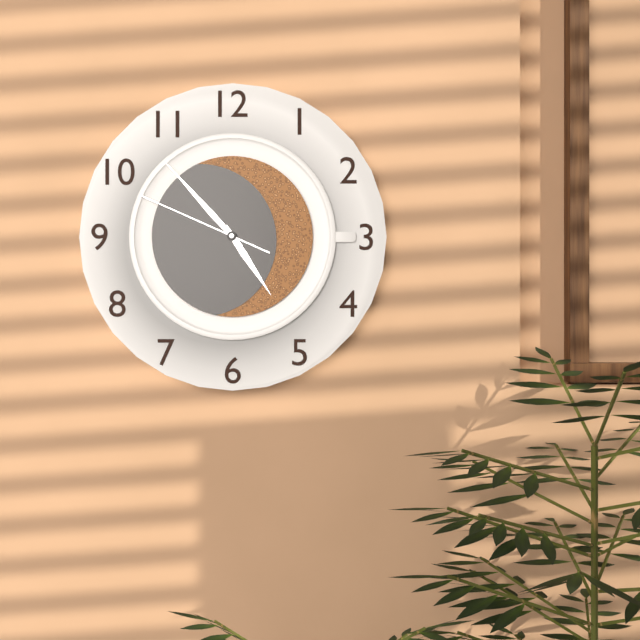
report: 4,53,49
